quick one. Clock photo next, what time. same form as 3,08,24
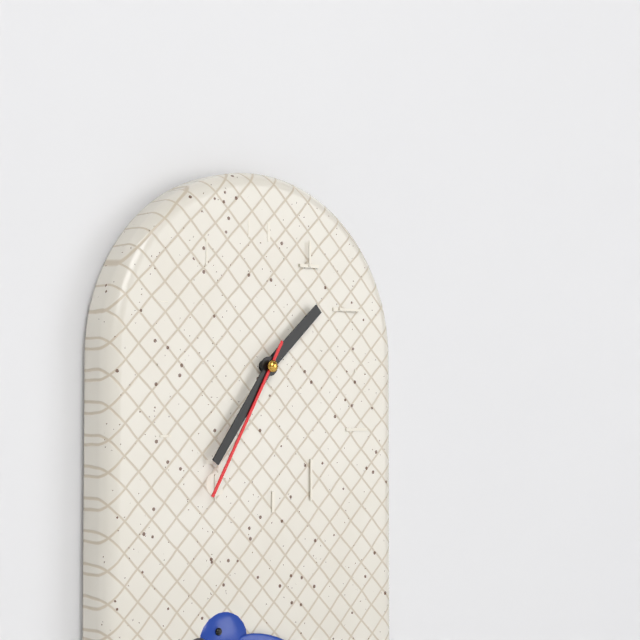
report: 1,36,35
